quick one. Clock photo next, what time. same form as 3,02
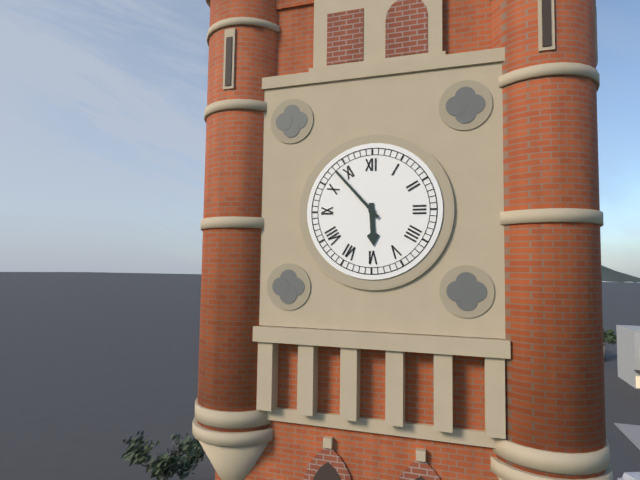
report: 5,53
